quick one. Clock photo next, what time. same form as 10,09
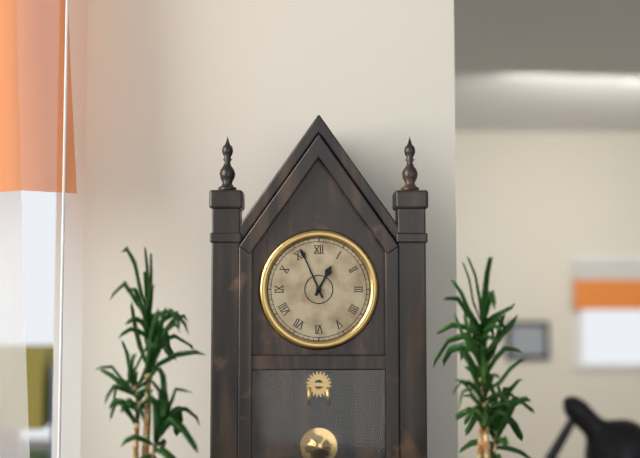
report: 12,56
